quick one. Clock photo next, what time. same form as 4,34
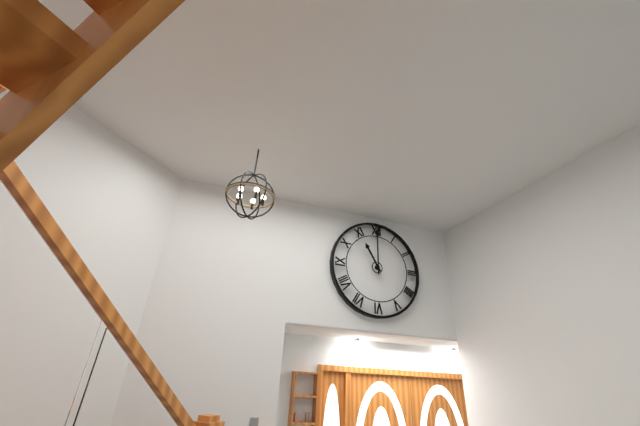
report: 11,00
